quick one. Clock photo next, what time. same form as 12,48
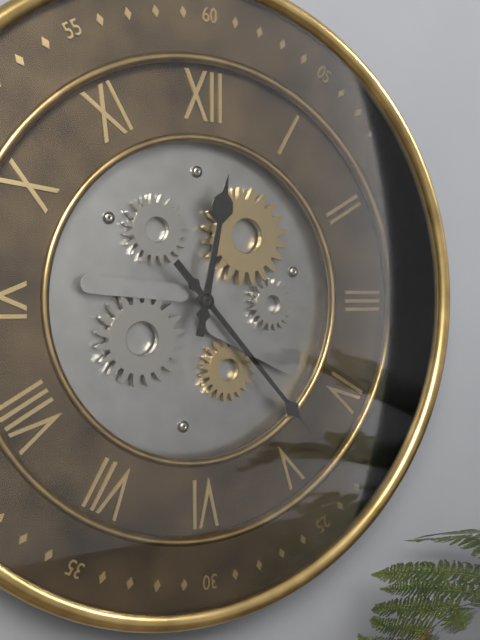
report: 12,23
